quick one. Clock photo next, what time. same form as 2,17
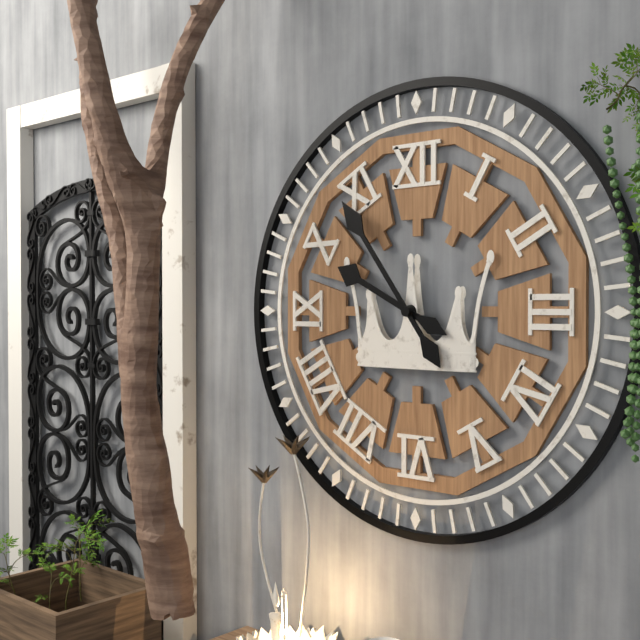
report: 9,54
